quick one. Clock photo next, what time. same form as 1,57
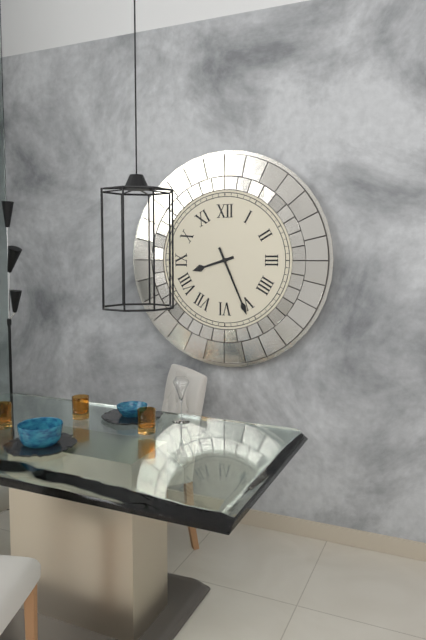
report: 8,26
